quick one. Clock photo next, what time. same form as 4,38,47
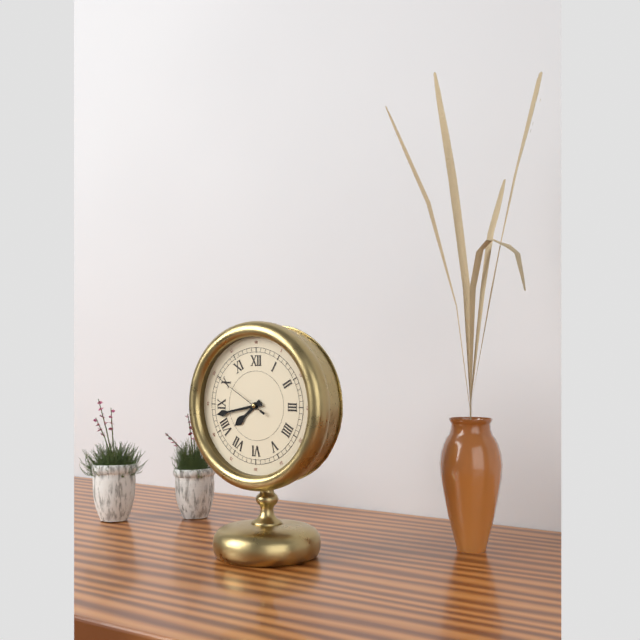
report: 7,43,50
